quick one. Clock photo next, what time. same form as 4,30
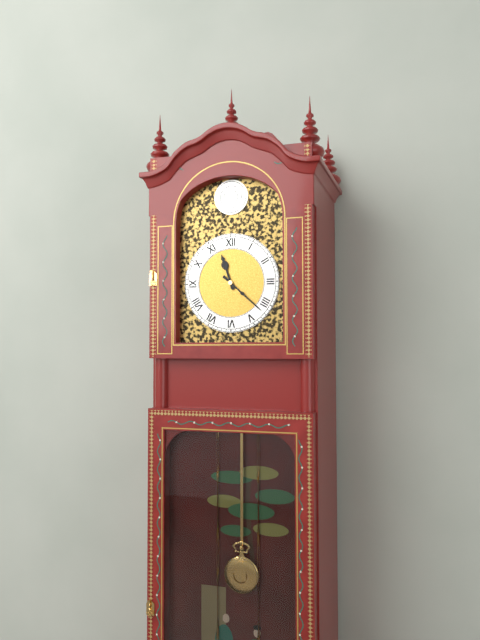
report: 11,22
